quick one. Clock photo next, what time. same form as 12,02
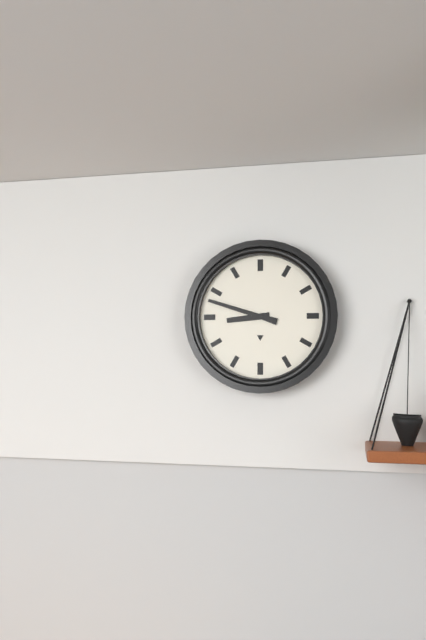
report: 8,48
